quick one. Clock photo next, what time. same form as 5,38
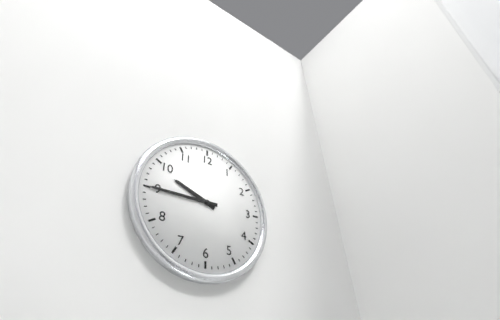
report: 9,45
